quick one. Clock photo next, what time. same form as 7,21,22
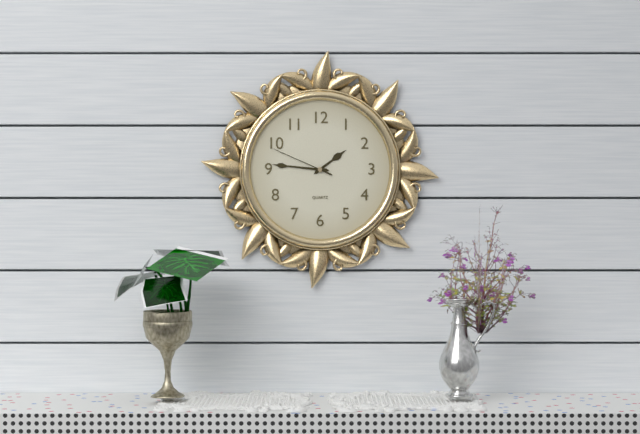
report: 1,46,49
